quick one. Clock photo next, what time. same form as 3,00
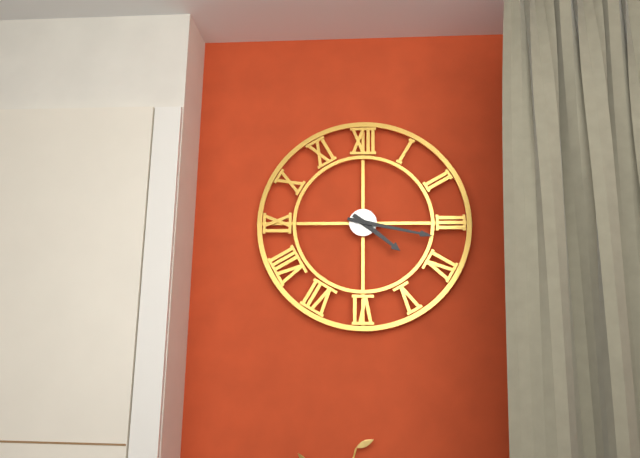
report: 4,17
